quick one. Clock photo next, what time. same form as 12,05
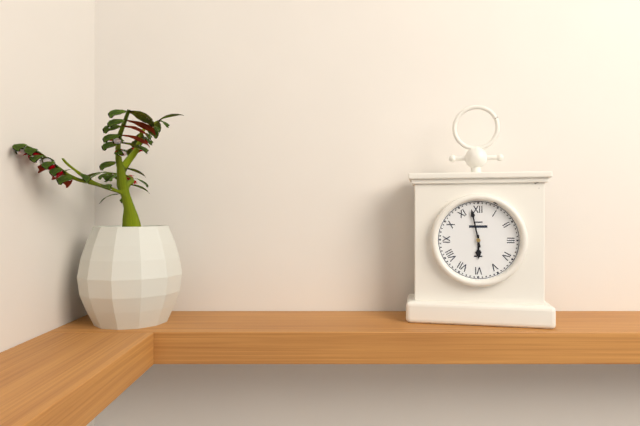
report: 5,58
